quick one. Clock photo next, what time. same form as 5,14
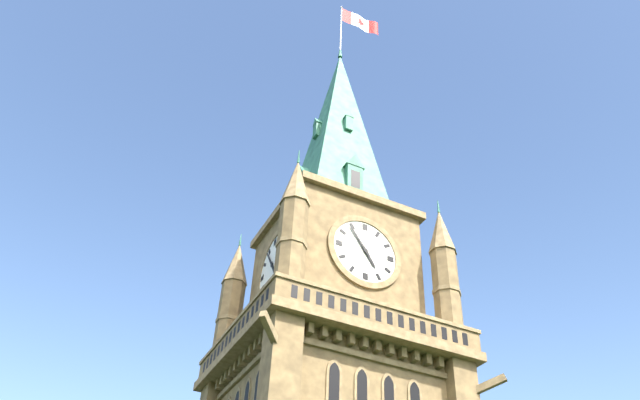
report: 4,54
